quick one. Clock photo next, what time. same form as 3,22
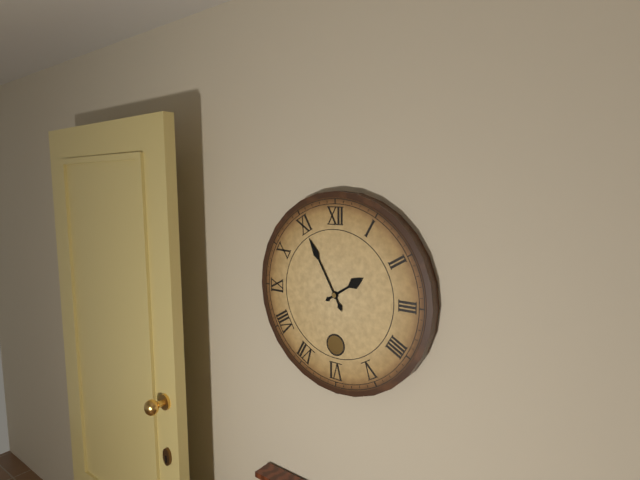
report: 1,55
